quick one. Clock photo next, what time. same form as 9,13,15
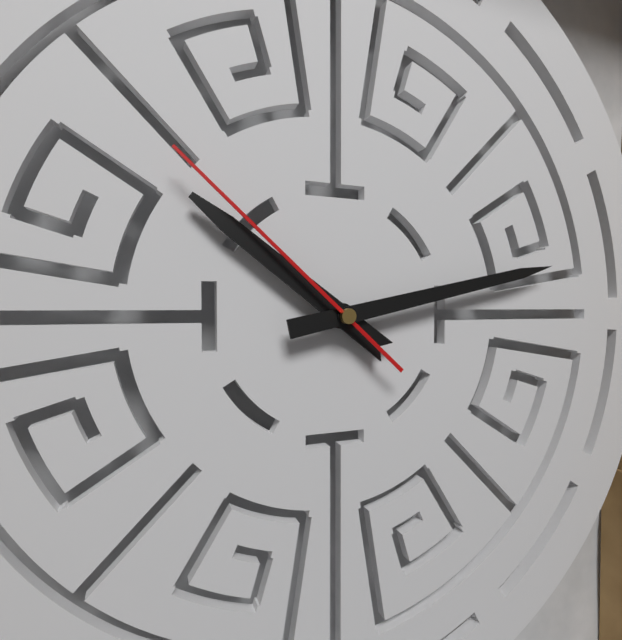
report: 10,13,52
